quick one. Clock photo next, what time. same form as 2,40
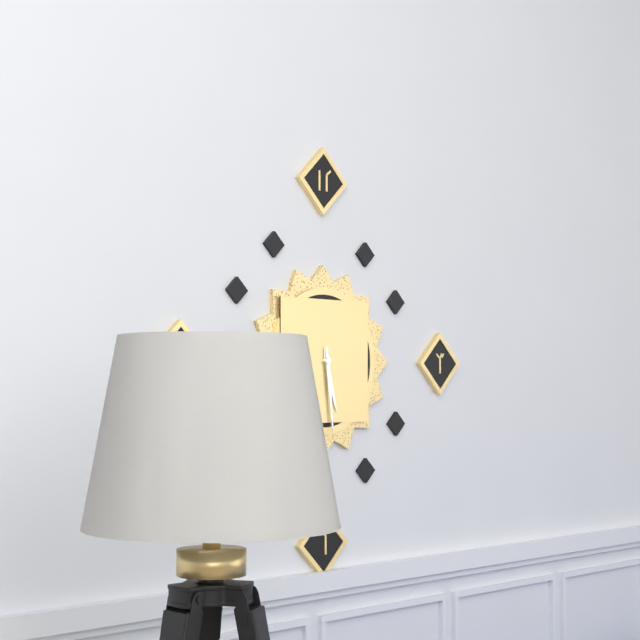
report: 5,29
